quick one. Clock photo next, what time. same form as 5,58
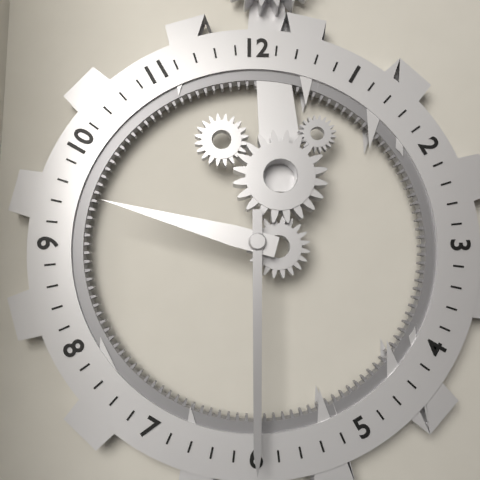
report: 9,30
